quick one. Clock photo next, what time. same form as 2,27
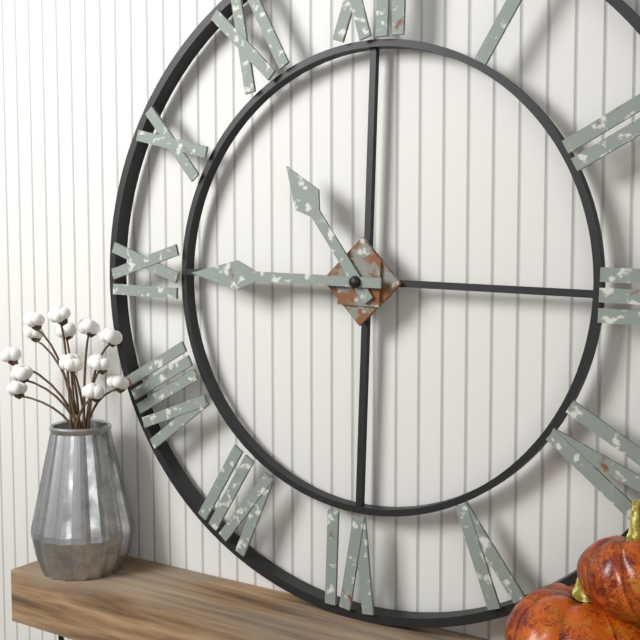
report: 10,45
